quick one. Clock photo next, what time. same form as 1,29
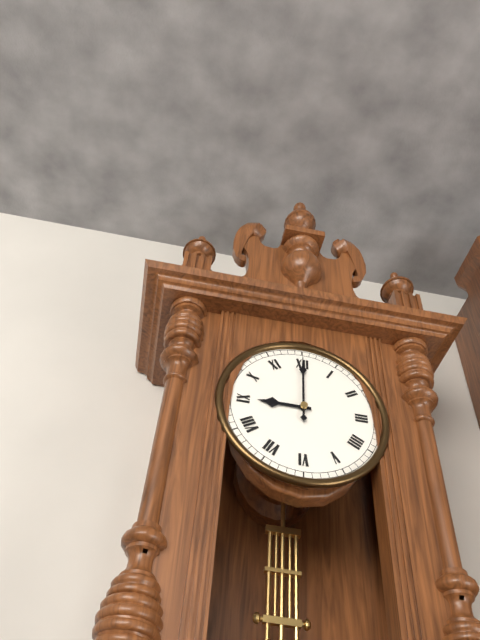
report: 9,00
